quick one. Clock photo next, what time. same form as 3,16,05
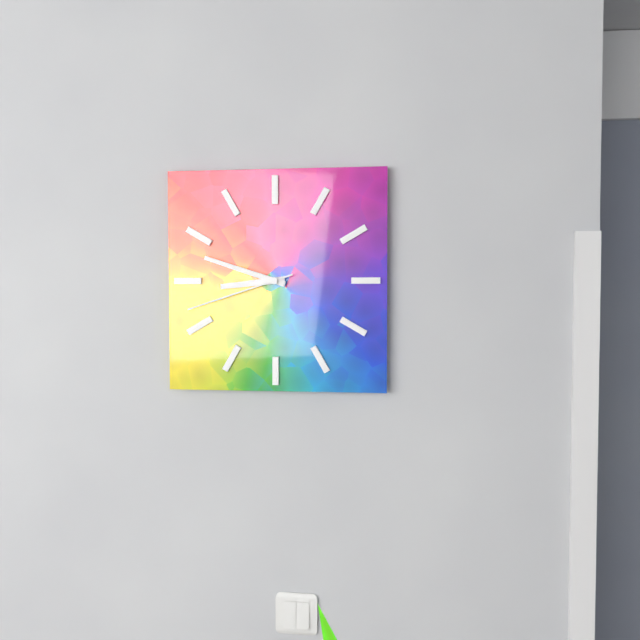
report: 8,48,42
